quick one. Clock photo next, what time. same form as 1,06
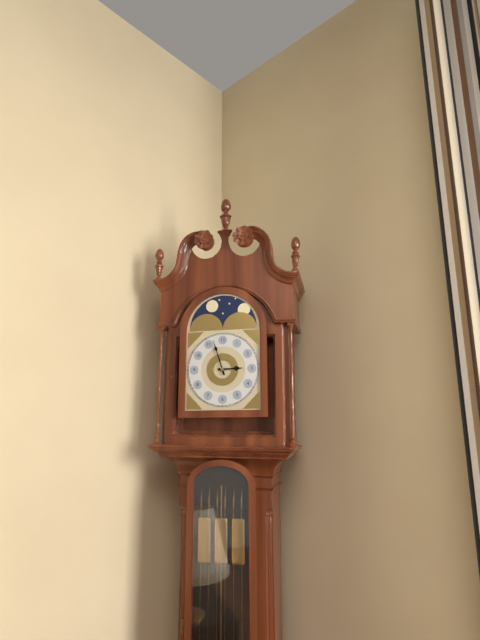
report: 2,57
